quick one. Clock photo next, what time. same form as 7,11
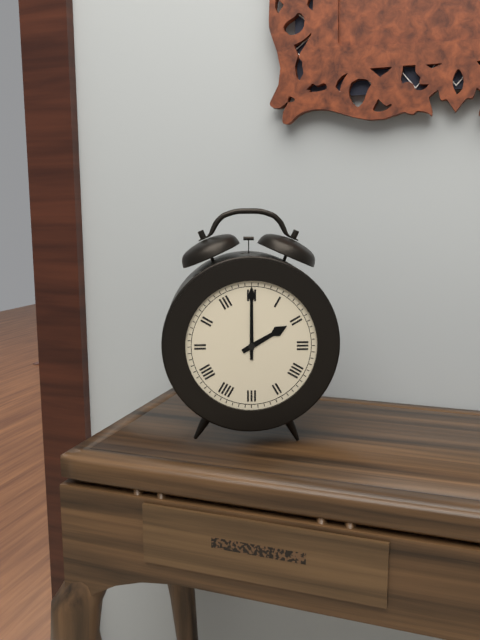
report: 2,00
